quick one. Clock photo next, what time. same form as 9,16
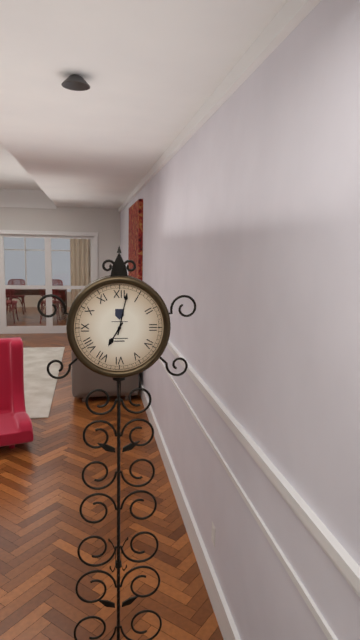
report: 7,02
